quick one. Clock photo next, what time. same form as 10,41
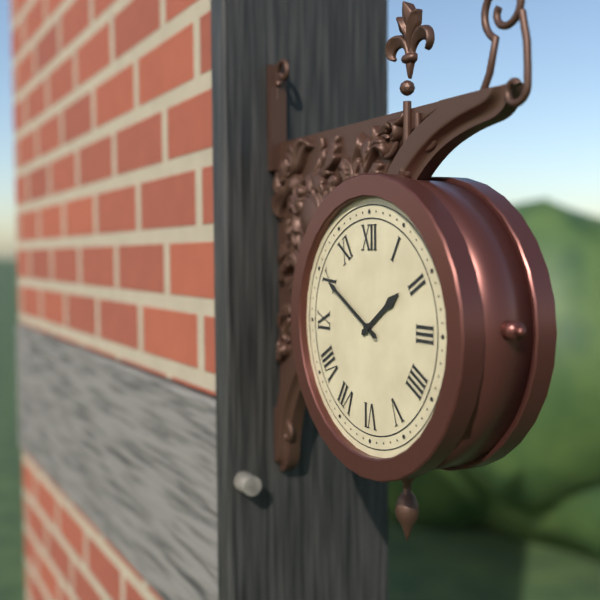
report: 1,50
